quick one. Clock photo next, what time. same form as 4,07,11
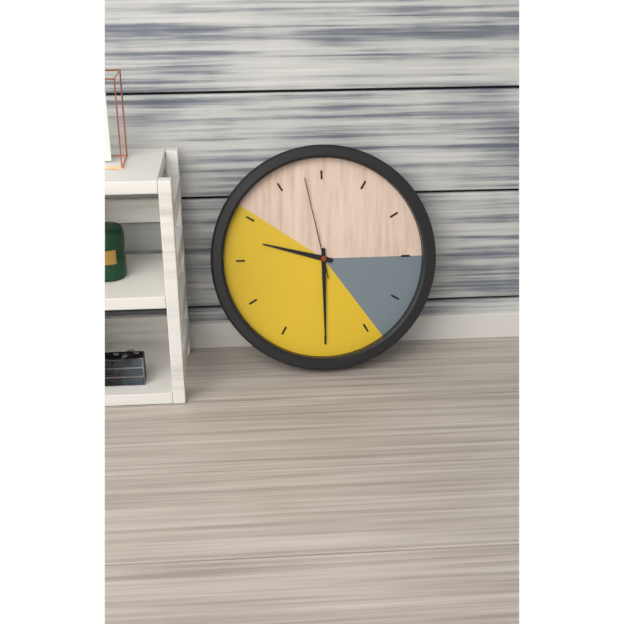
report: 9,30,58
